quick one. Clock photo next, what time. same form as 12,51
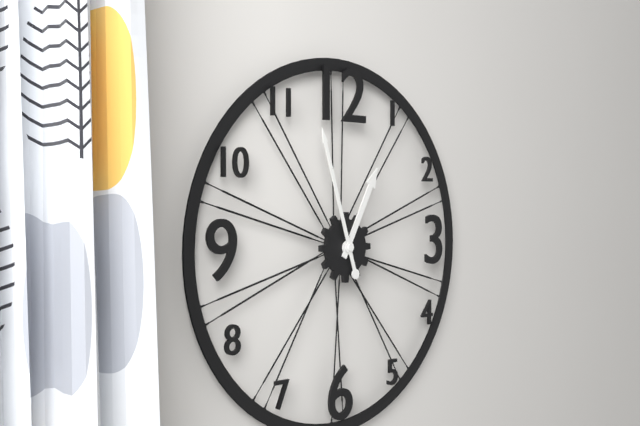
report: 12,57
